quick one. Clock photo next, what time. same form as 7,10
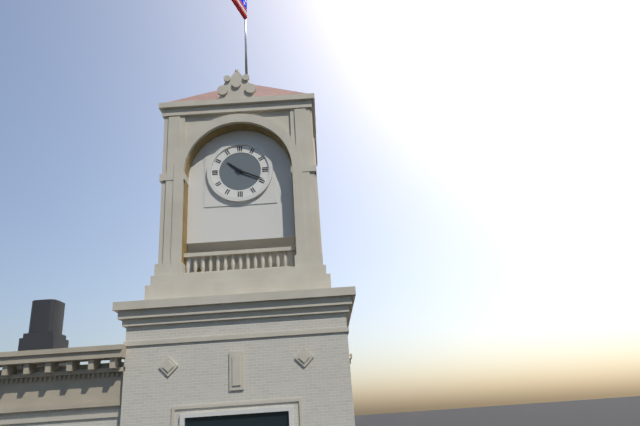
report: 10,19
